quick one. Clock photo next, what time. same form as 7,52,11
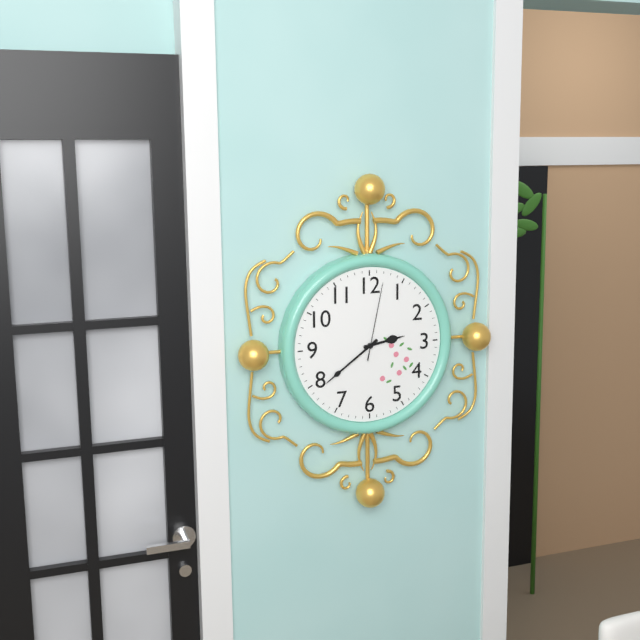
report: 2,39,02
